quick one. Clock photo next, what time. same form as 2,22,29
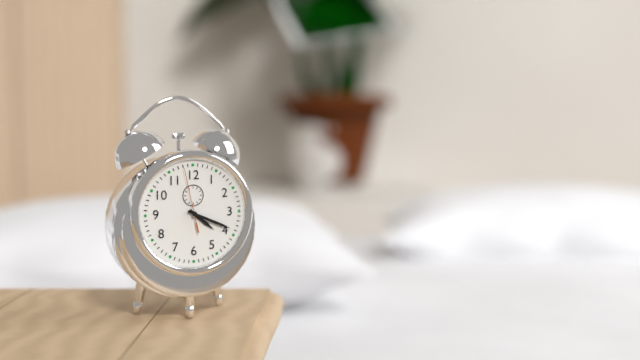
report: 4,19,58
